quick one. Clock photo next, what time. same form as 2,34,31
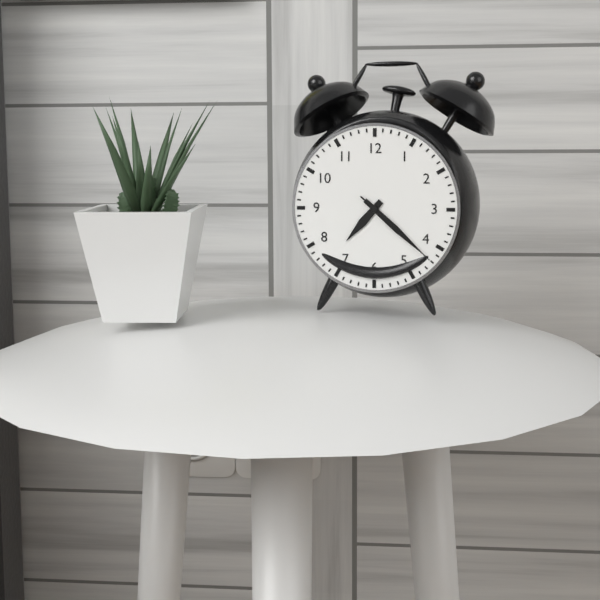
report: 7,22,22
